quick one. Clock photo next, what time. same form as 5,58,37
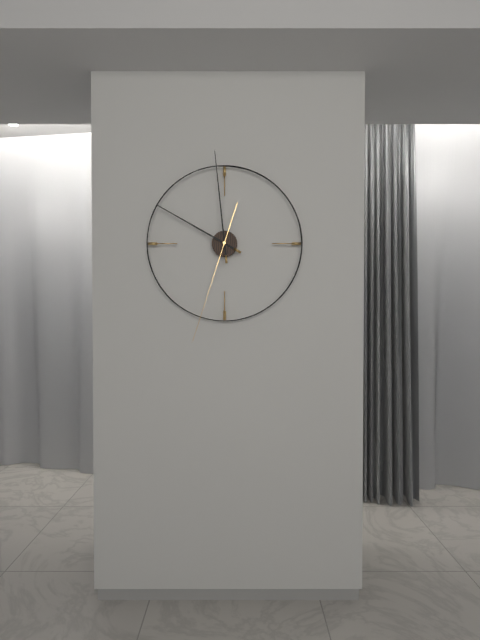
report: 9,59,33
